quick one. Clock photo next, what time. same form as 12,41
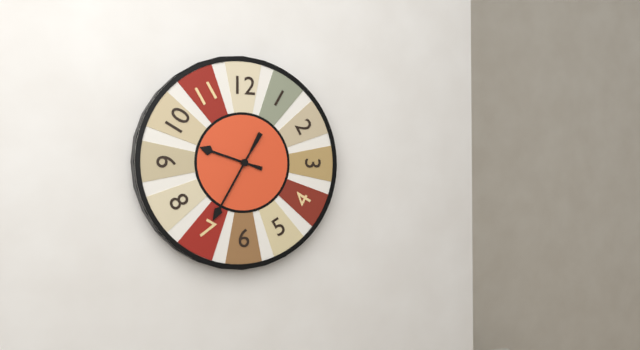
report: 9,35
